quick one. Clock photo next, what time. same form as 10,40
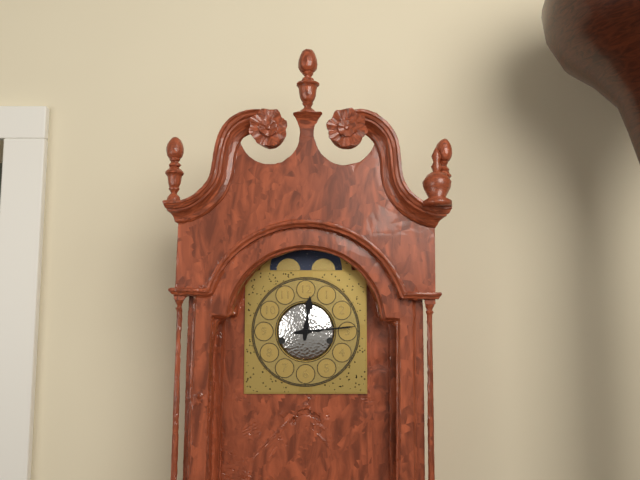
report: 12,14
